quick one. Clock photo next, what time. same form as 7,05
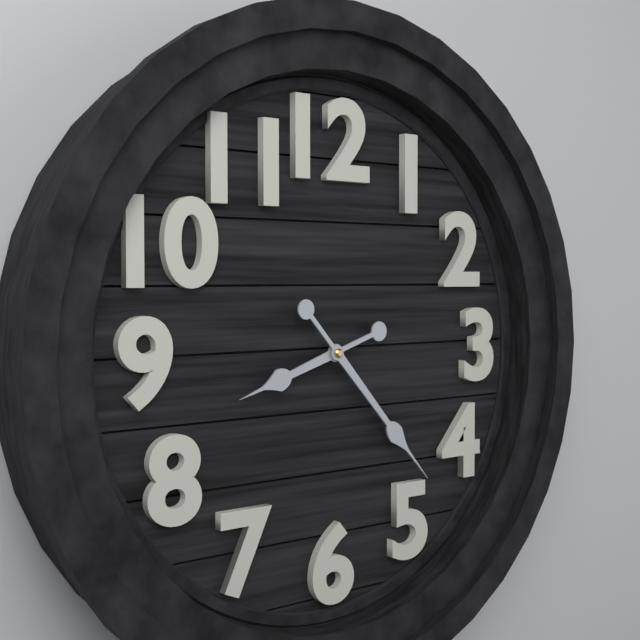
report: 8,23
